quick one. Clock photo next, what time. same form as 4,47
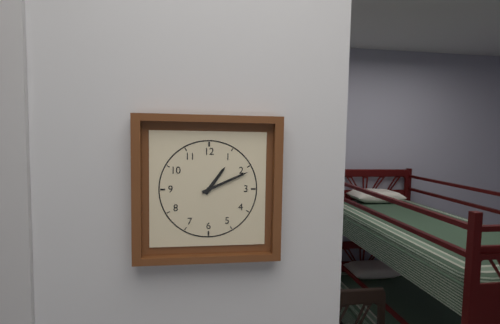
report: 1,11
